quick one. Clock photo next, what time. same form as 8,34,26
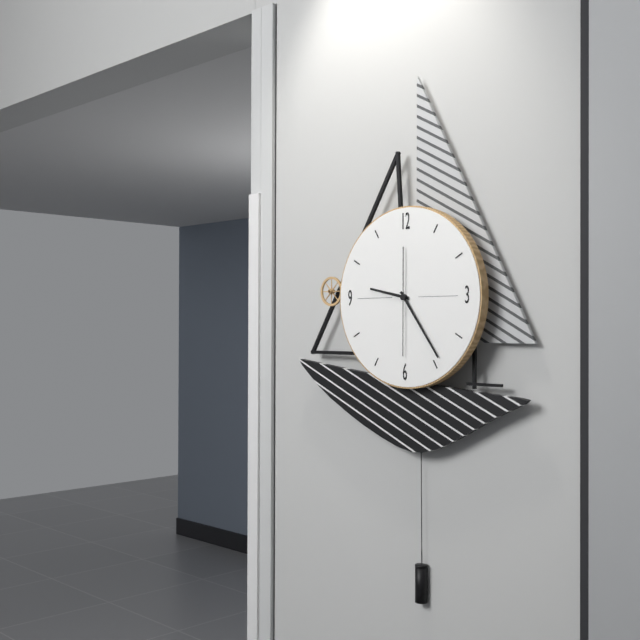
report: 9,24,30
